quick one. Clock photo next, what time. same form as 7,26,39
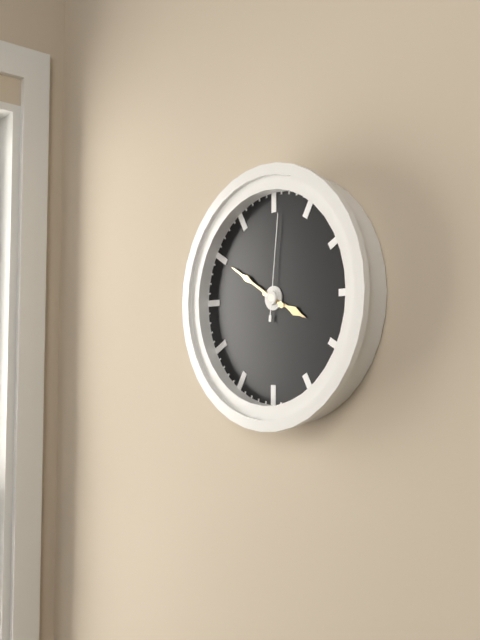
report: 3,50,01
